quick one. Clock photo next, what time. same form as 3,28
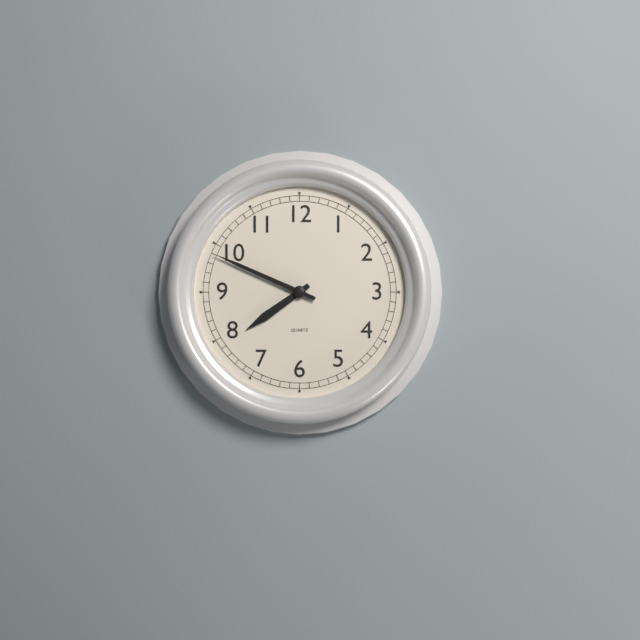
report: 7,49
